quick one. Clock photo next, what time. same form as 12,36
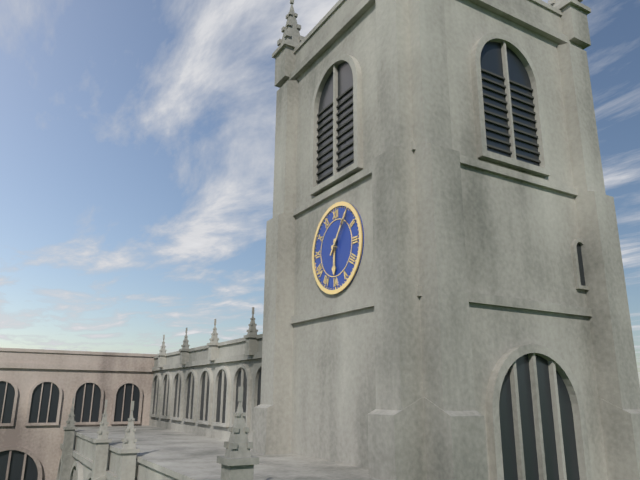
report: 6,06
